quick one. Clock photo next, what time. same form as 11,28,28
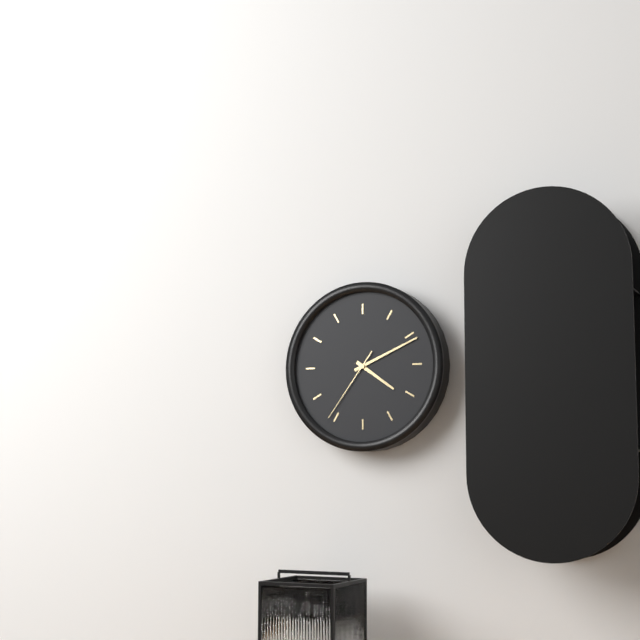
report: 4,11,36
